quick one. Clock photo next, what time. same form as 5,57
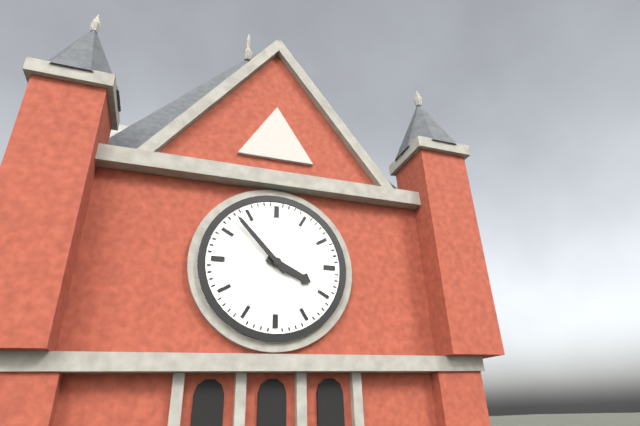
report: 3,53
